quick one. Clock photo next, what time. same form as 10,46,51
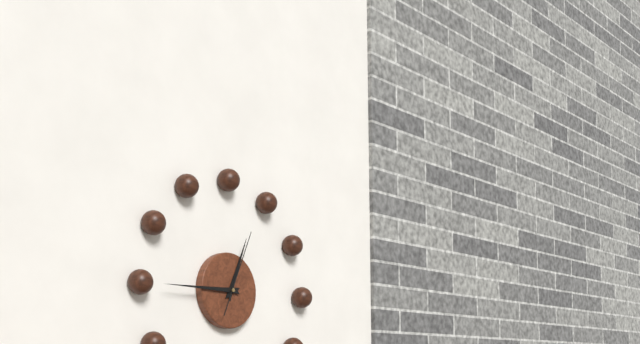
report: 12,45,04
